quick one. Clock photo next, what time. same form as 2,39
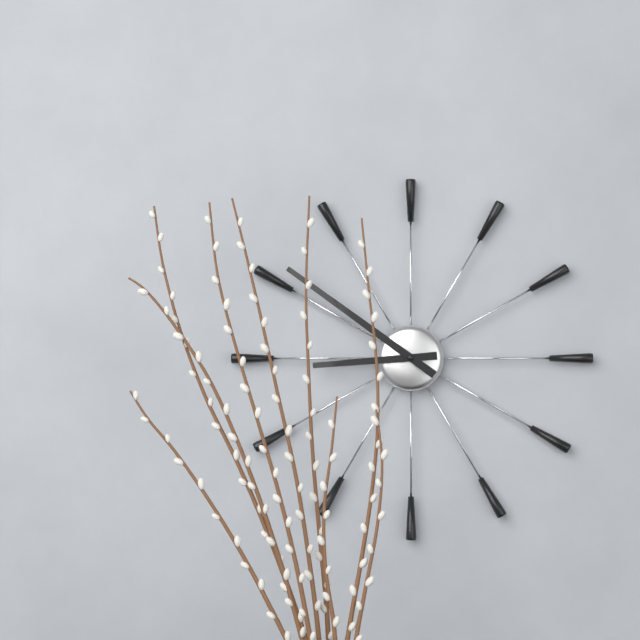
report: 8,51
